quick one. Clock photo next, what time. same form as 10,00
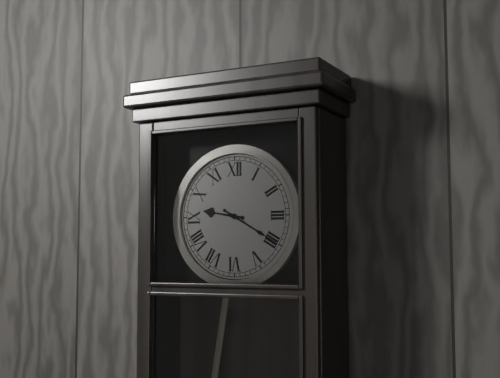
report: 9,20
